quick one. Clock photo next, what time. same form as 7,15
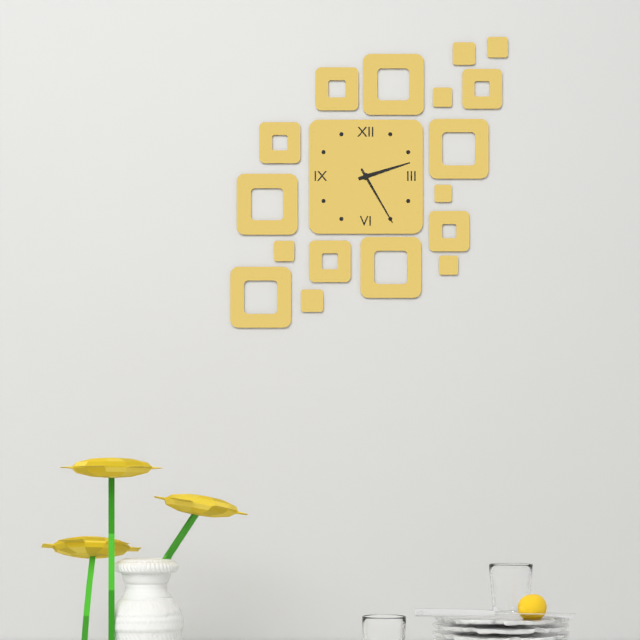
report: 2,25
